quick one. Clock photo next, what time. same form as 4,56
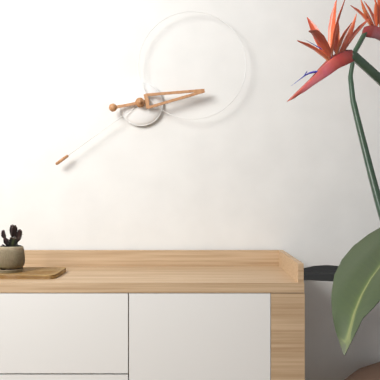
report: 2,39
